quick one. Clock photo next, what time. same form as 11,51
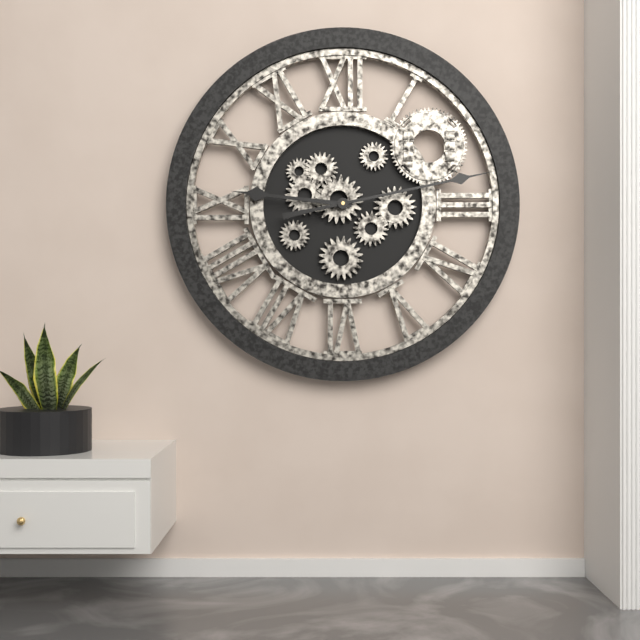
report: 9,13
